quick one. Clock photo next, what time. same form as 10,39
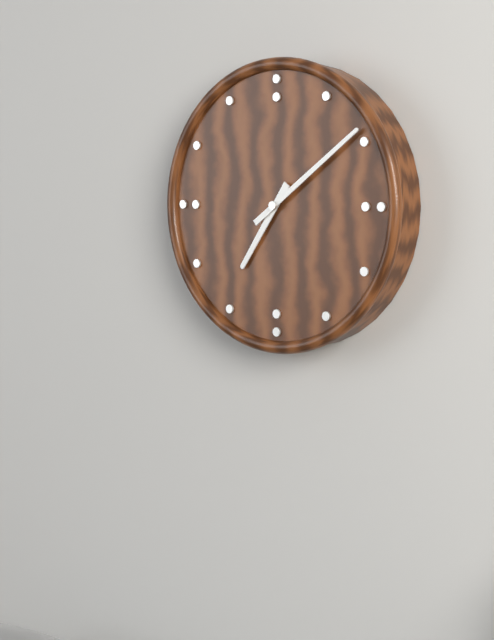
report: 7,09
